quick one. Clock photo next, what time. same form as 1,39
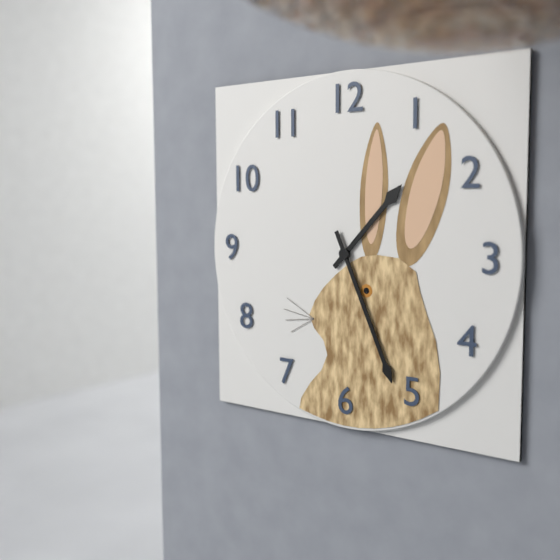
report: 1,26
